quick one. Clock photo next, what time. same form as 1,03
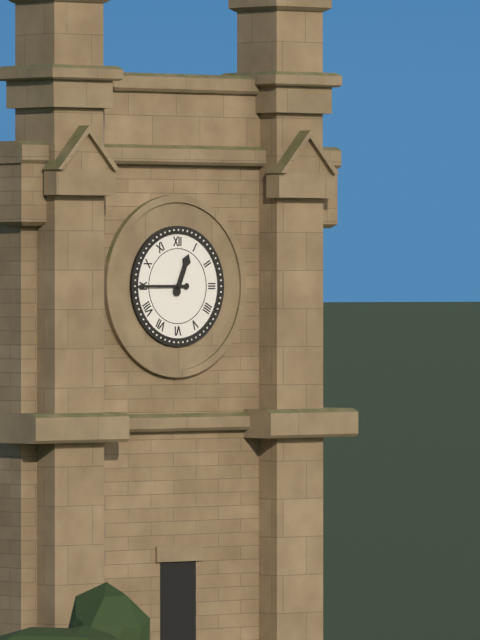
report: 12,45
